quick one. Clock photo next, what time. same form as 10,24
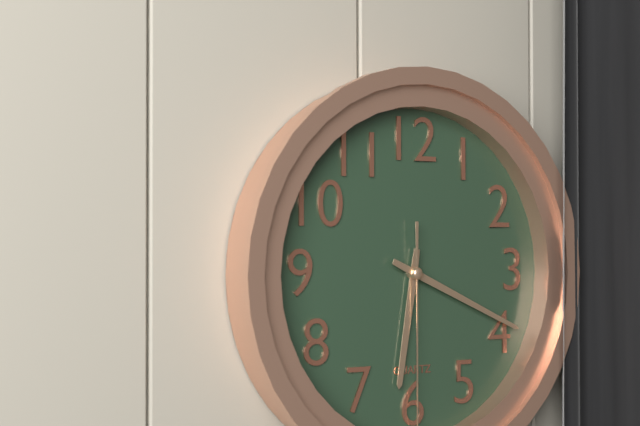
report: 6,19
